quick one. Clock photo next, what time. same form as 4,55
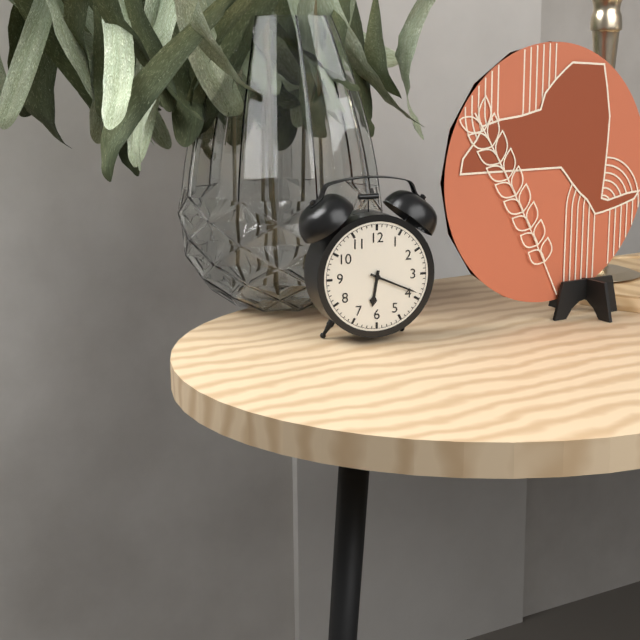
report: 6,19
